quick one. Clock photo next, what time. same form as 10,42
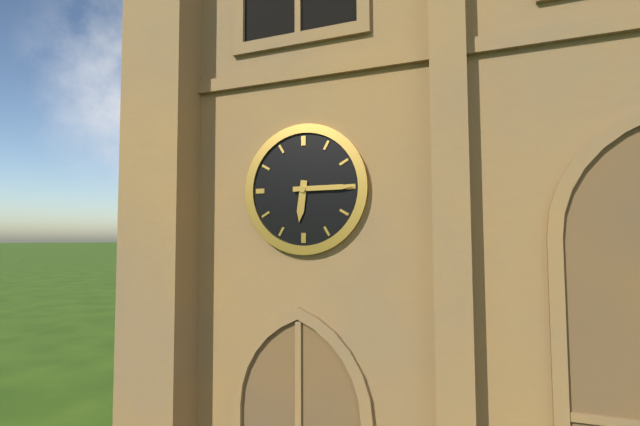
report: 6,15
